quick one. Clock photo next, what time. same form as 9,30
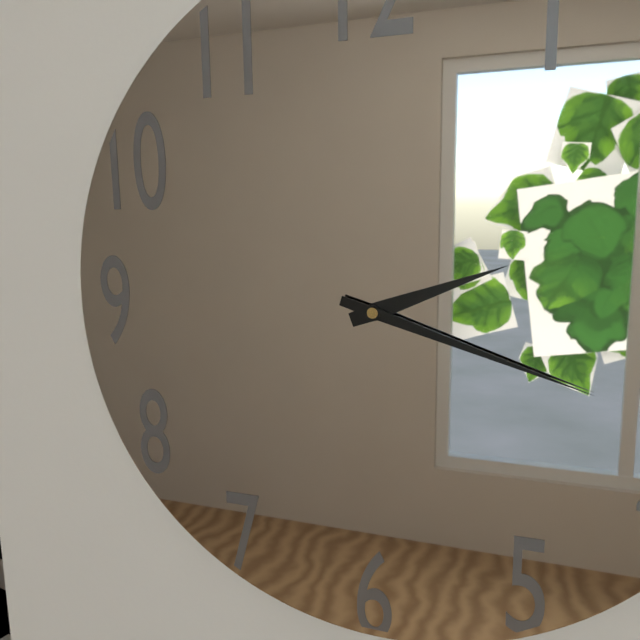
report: 2,18
